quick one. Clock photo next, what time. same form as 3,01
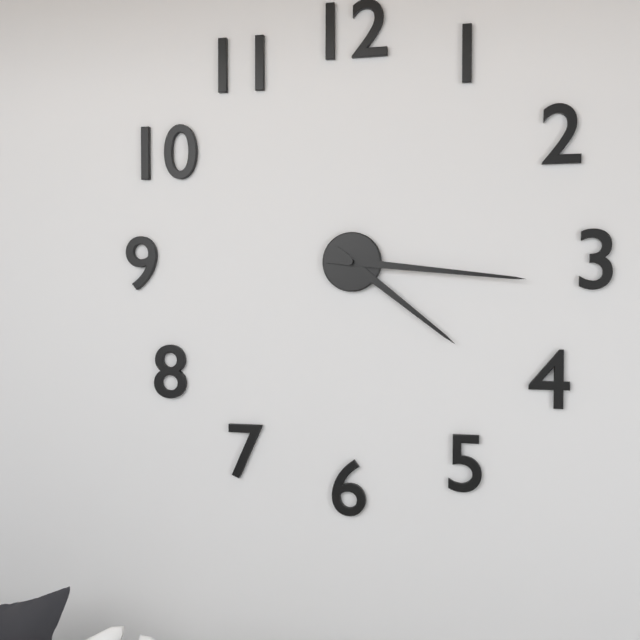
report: 4,16
